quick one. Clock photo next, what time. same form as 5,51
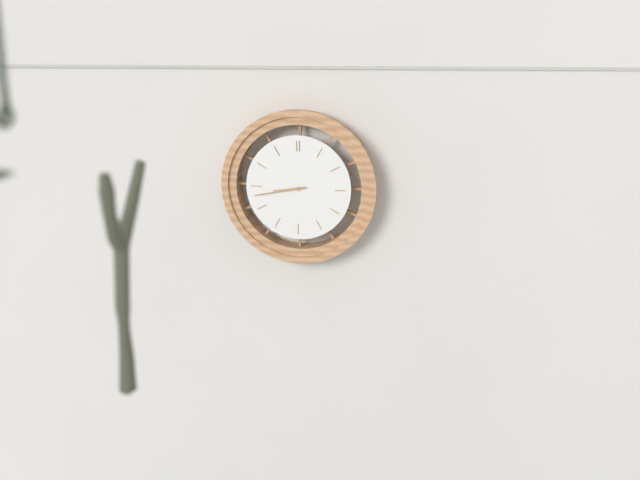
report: 8,43
